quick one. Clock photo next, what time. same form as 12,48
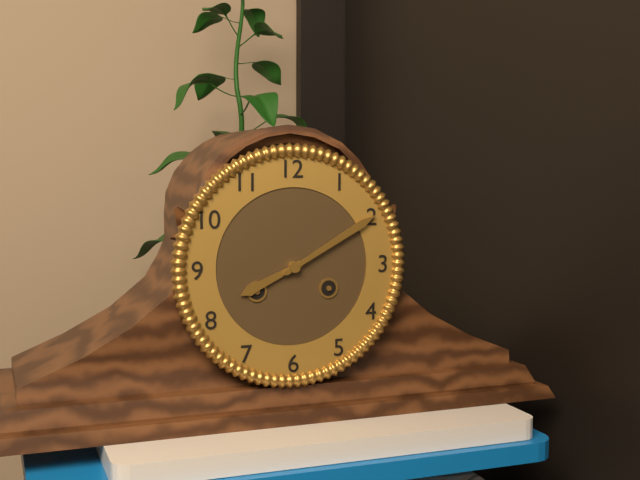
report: 8,10
